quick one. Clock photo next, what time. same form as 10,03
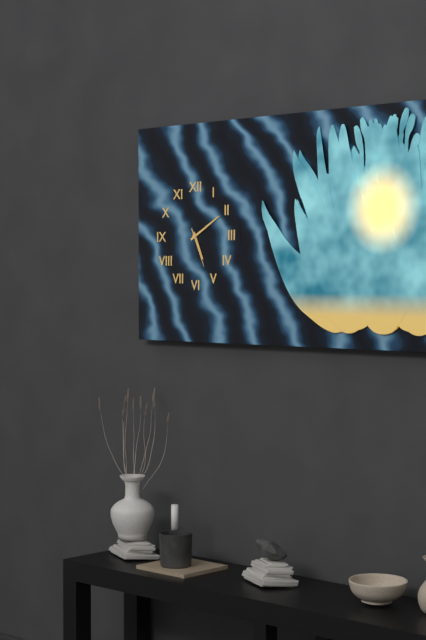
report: 5,10
